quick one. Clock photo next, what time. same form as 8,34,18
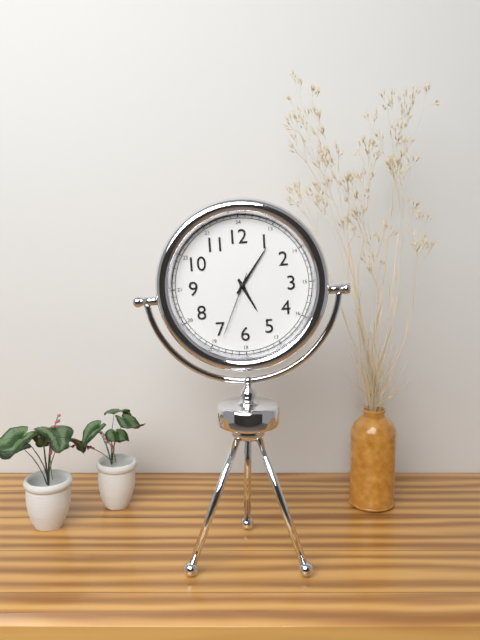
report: 5,06,34
